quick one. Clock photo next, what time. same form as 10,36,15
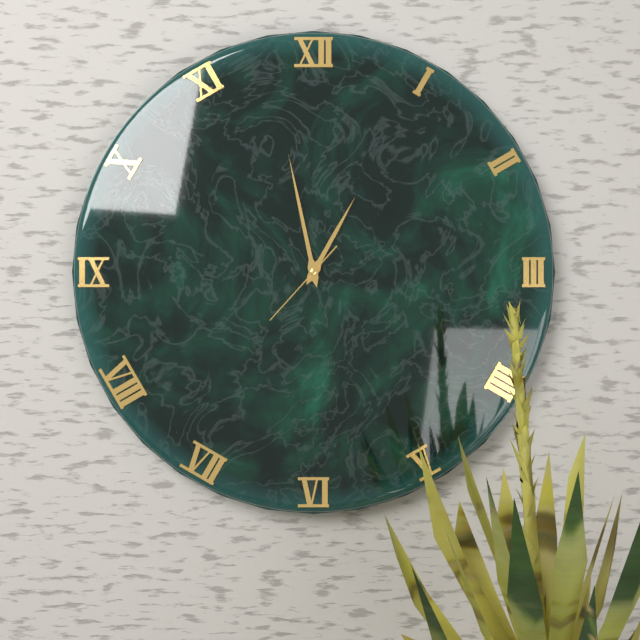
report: 12,58,37
